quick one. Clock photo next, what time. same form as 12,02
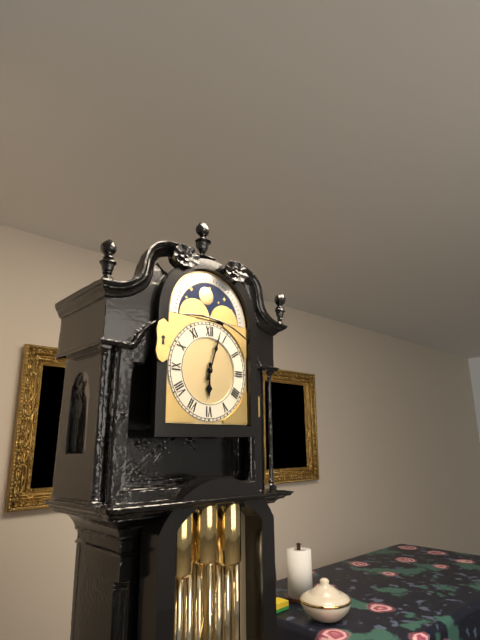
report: 6,03
